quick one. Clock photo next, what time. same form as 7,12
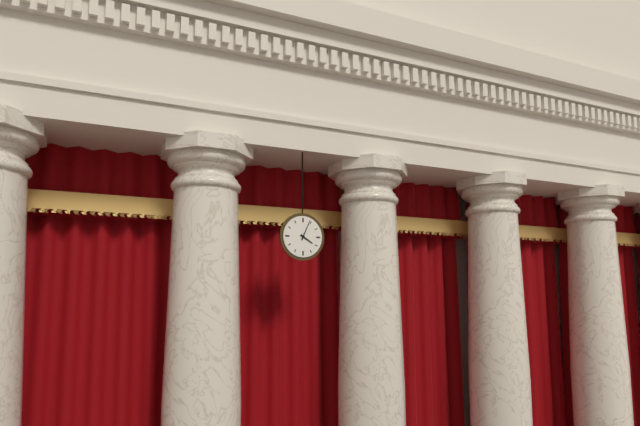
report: 4,04
